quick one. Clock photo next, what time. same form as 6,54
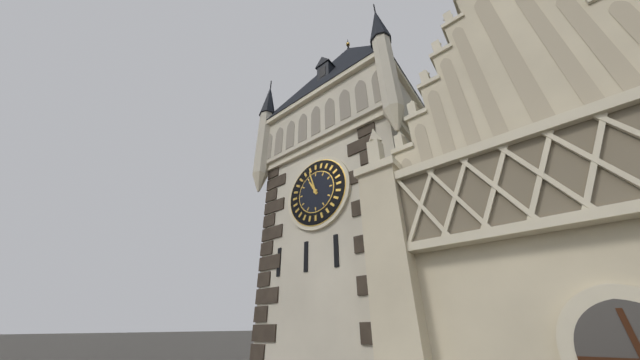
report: 10,57
